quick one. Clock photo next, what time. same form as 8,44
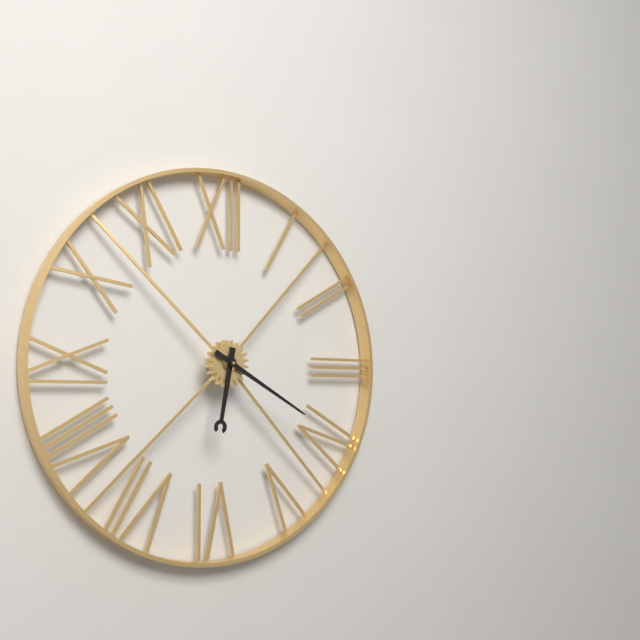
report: 6,20
